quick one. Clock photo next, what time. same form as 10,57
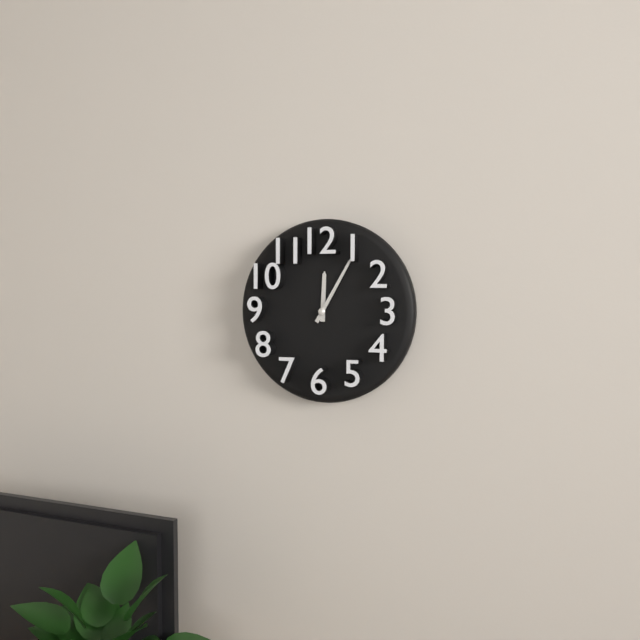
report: 12,05
